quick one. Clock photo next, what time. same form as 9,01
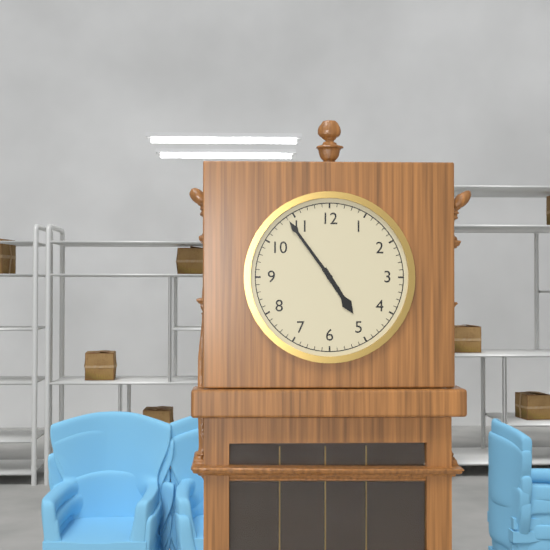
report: 4,54
